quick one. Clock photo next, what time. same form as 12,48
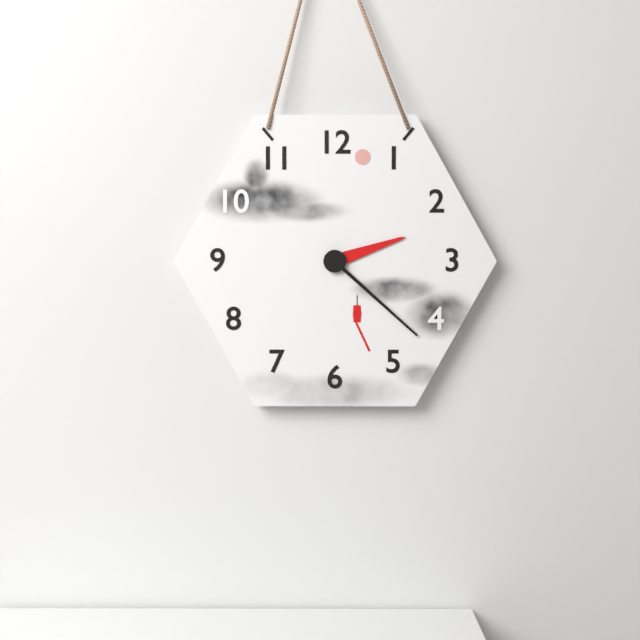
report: 2,22
